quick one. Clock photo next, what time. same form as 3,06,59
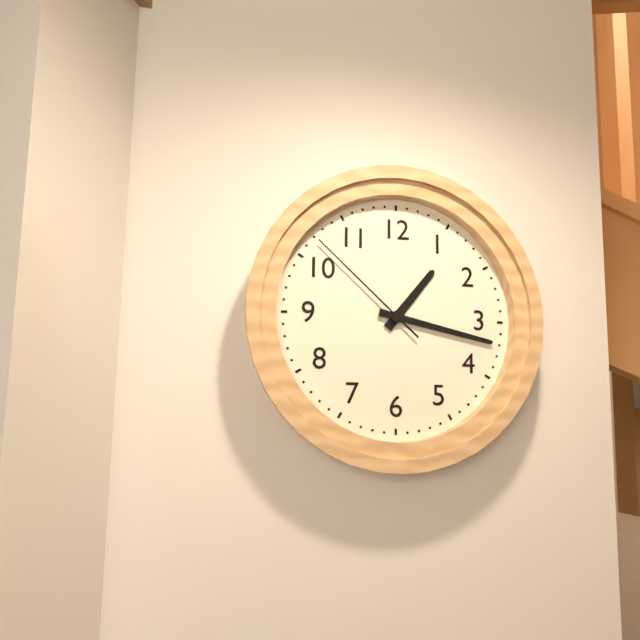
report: 1,17,52
